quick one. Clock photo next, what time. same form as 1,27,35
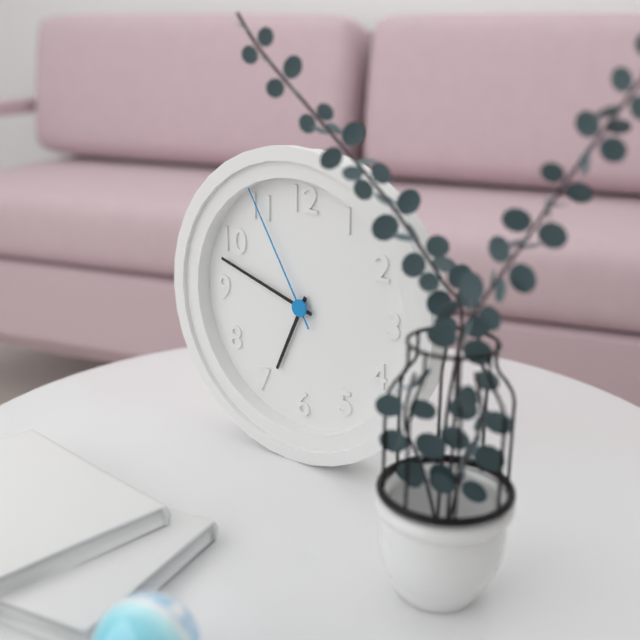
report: 6,48,55
